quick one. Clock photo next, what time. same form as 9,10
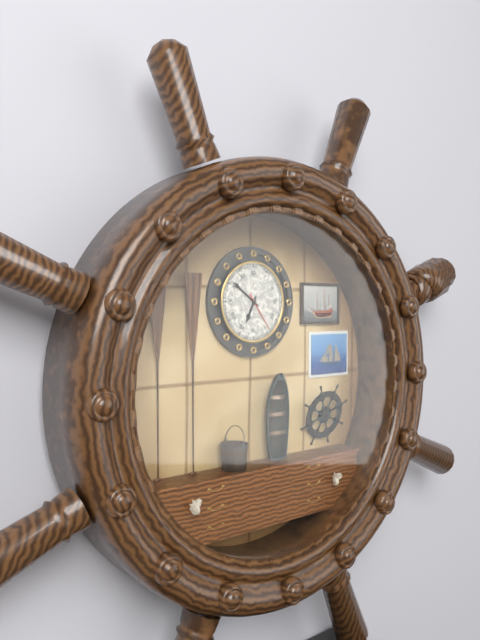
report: 6,51
